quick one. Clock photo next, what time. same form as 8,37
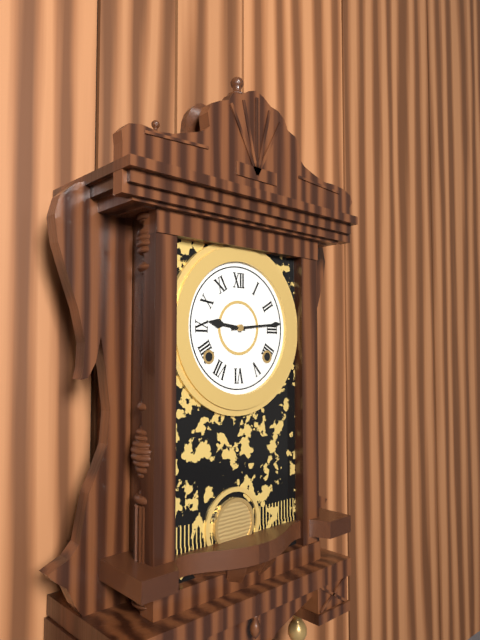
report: 9,14
